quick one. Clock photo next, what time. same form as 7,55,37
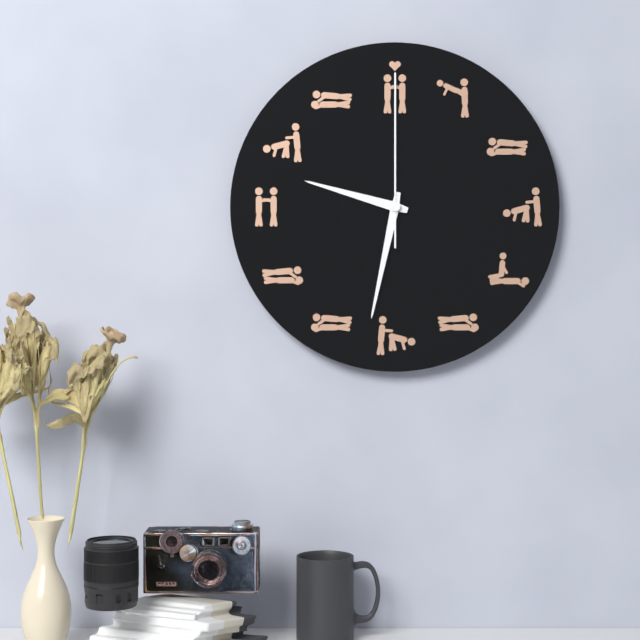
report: 9,32,00
